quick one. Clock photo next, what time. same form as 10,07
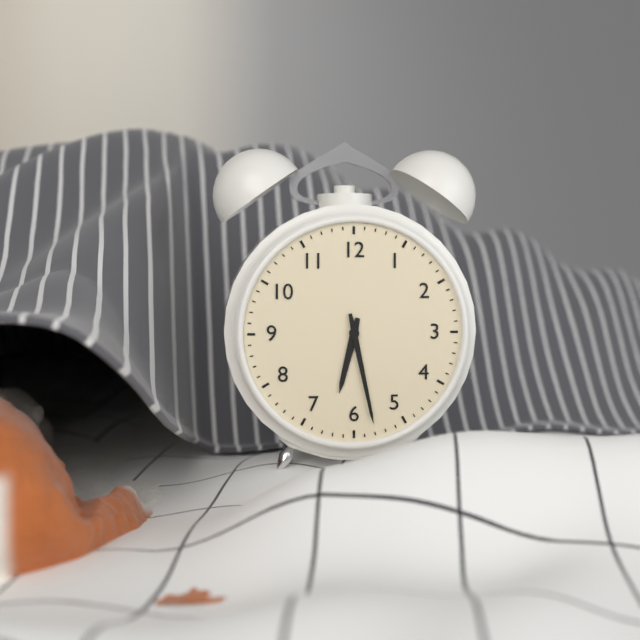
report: 6,28
